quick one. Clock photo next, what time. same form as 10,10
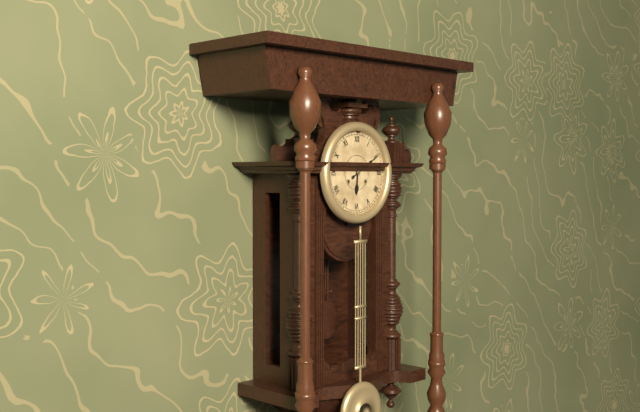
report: 6,10
